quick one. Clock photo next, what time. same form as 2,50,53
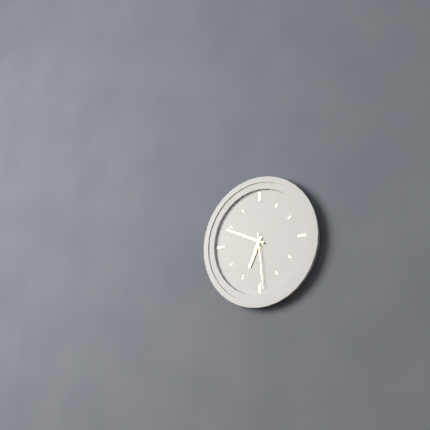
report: 6,49,29
